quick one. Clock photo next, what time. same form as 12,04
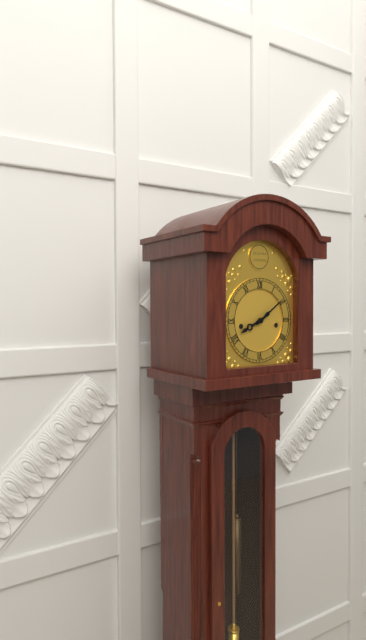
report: 8,09
